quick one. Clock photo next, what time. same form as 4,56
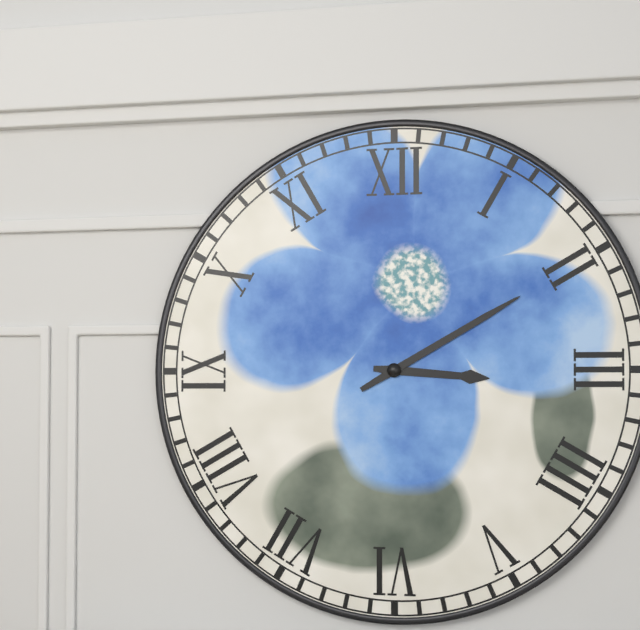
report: 3,10
